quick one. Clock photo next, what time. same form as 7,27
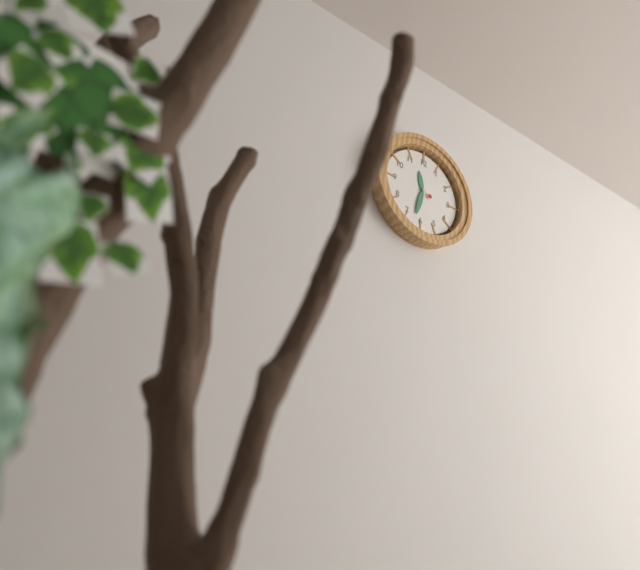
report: 11,32
